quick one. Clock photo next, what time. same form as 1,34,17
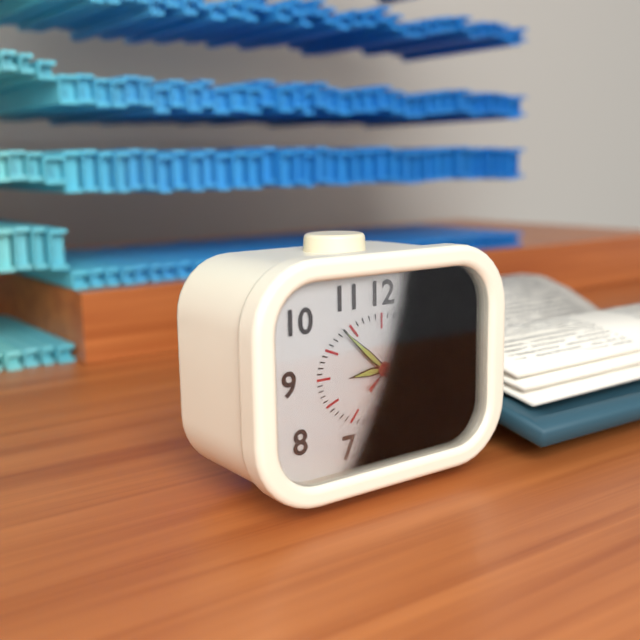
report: 8,52,08
